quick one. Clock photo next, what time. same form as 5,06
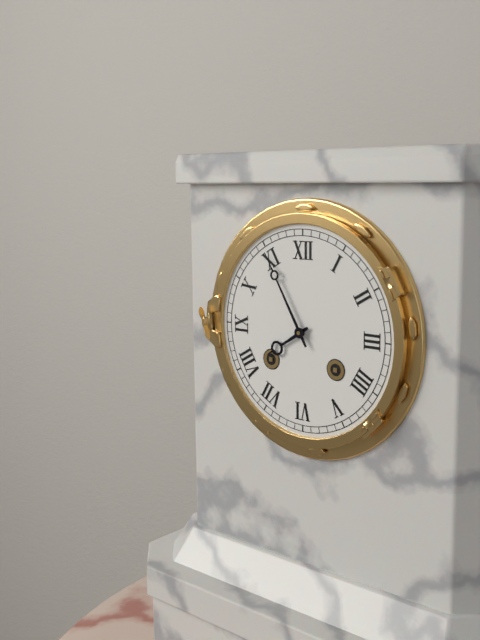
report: 7,55
